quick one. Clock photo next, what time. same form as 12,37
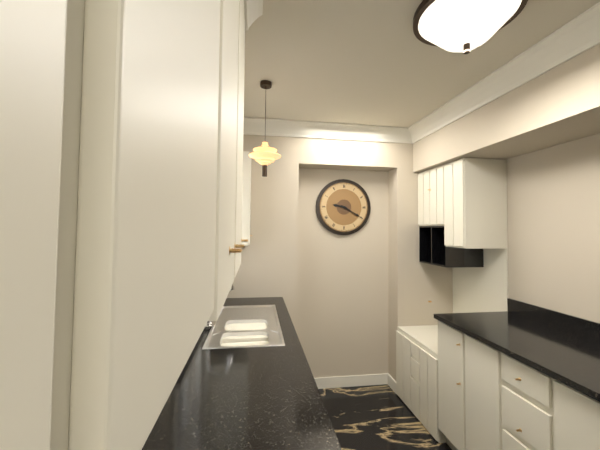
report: 9,20
